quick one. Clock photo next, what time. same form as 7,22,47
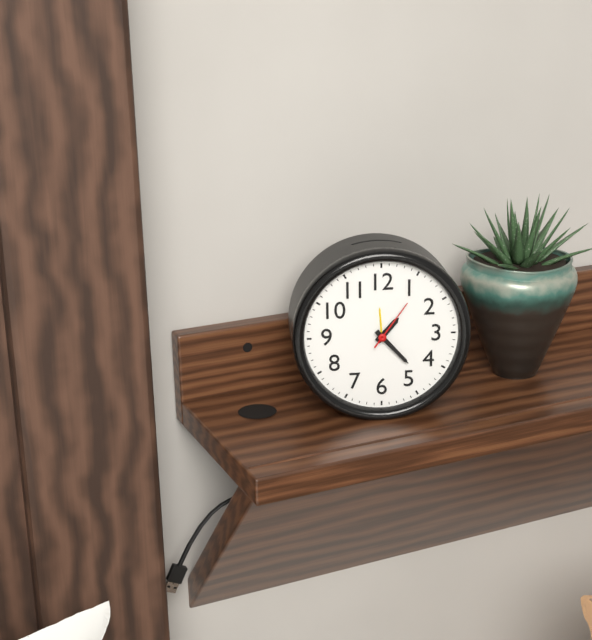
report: 1,23,06
